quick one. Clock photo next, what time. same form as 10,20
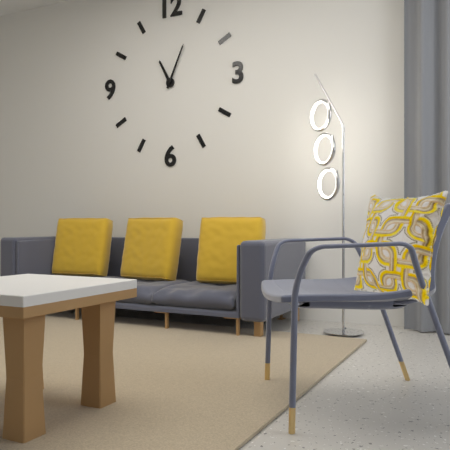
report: 11,04
